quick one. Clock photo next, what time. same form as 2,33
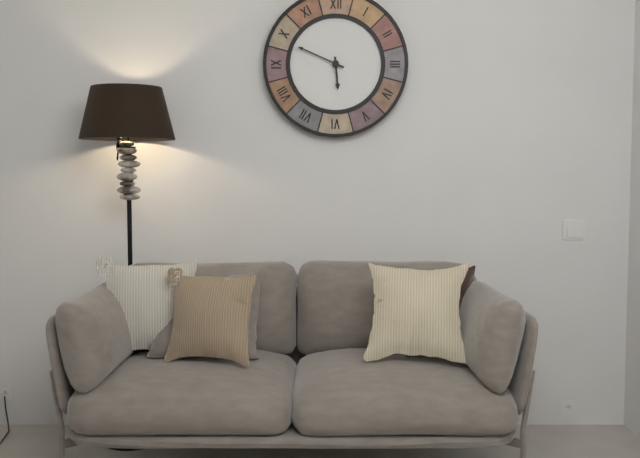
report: 5,49
